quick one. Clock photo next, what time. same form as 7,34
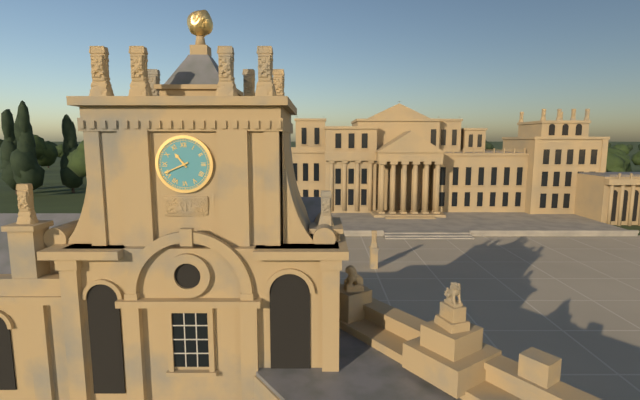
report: 10,41
